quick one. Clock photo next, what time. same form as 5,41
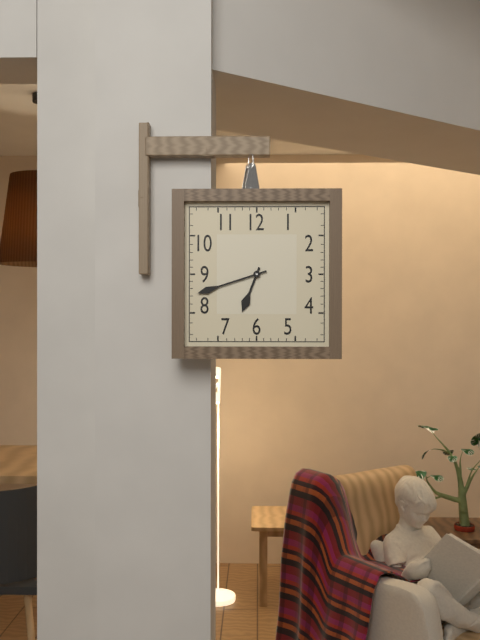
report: 6,42
